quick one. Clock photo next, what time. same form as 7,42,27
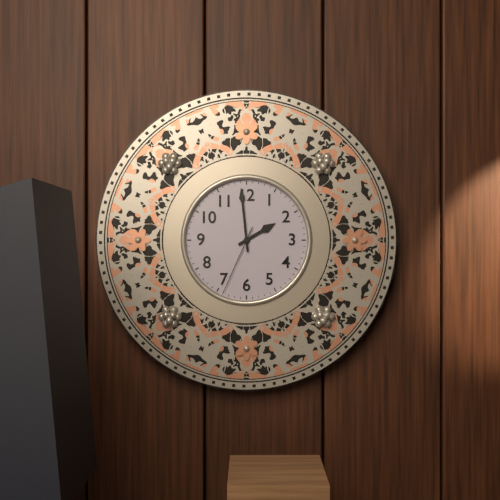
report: 1,59,34
